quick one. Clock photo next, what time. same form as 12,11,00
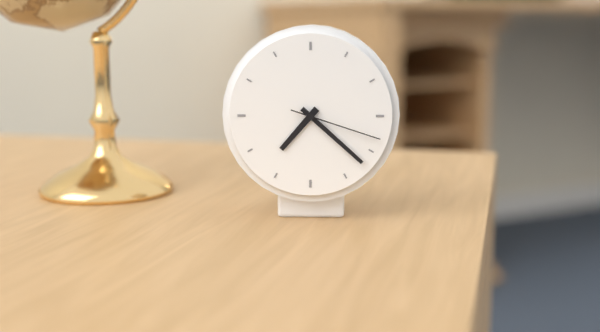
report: 7,22,18
